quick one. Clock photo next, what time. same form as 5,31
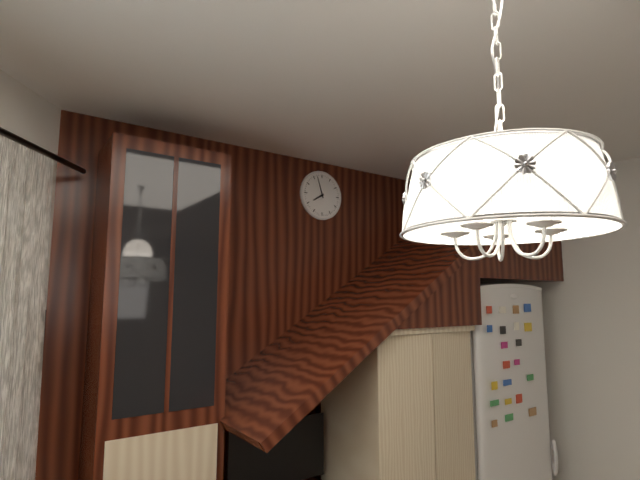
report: 7,57
